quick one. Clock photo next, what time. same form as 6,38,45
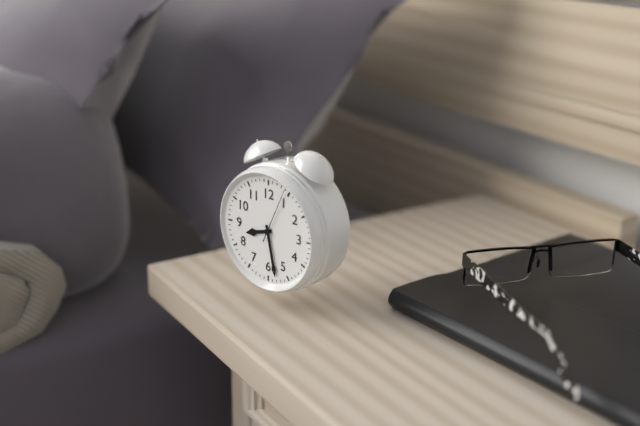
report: 8,28,04
